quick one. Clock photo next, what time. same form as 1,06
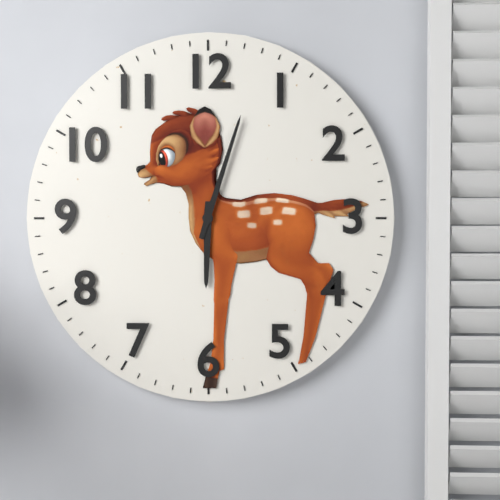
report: 6,03
